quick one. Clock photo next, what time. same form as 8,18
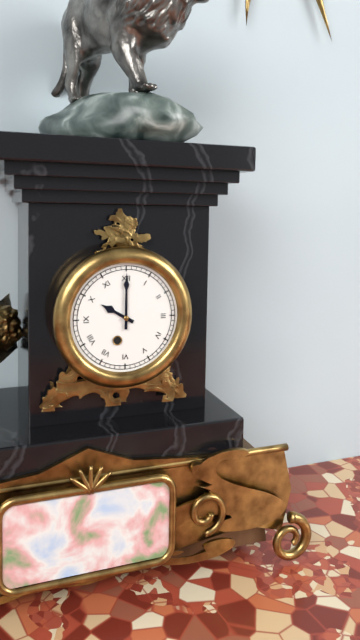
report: 10,00
